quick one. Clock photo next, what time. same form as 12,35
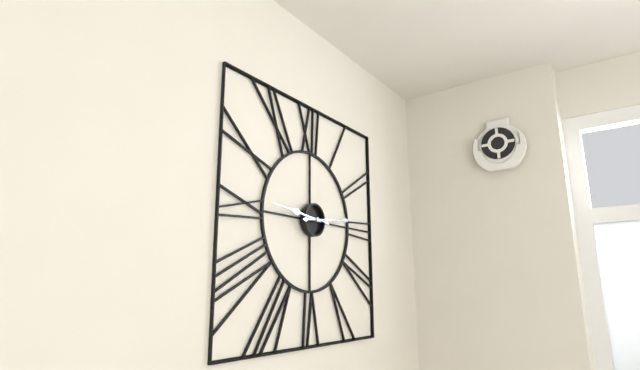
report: 9,14
